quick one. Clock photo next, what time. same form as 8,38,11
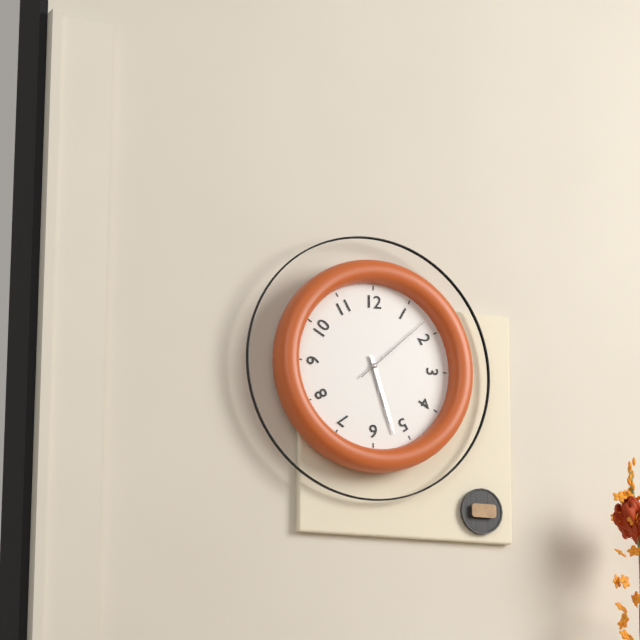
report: 5,27,08
